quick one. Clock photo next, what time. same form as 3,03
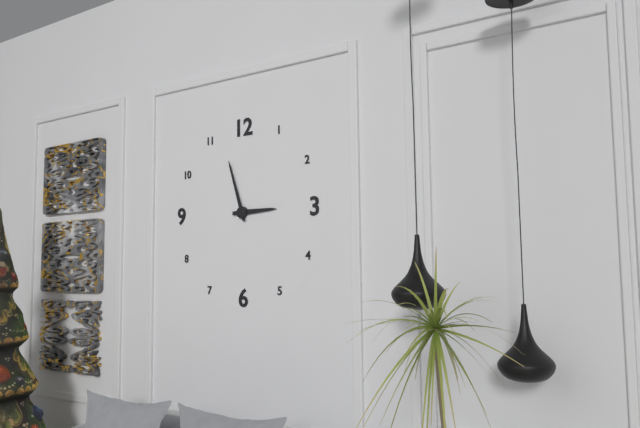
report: 2,57
